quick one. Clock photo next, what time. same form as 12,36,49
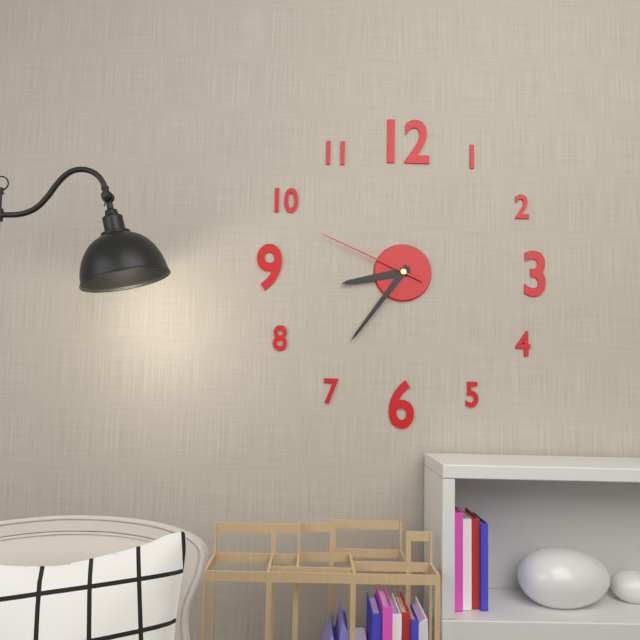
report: 8,36,49
